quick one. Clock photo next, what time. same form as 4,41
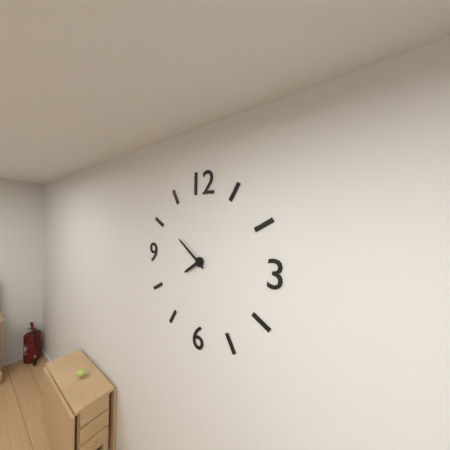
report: 7,51
